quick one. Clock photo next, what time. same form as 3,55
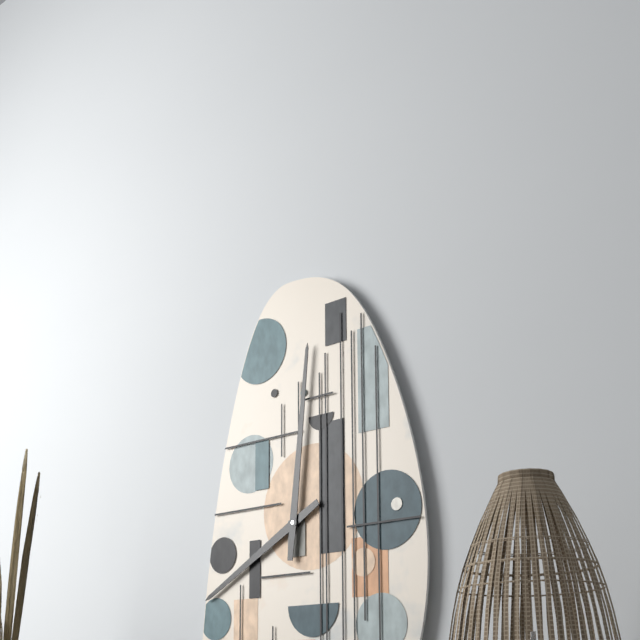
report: 8,01
